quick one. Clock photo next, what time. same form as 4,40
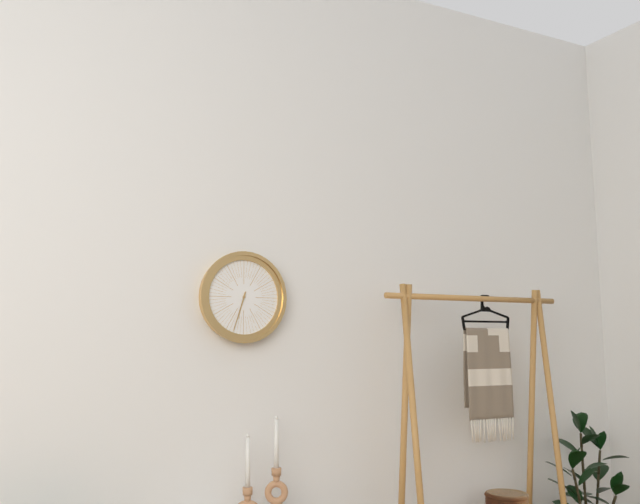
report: 6,33
